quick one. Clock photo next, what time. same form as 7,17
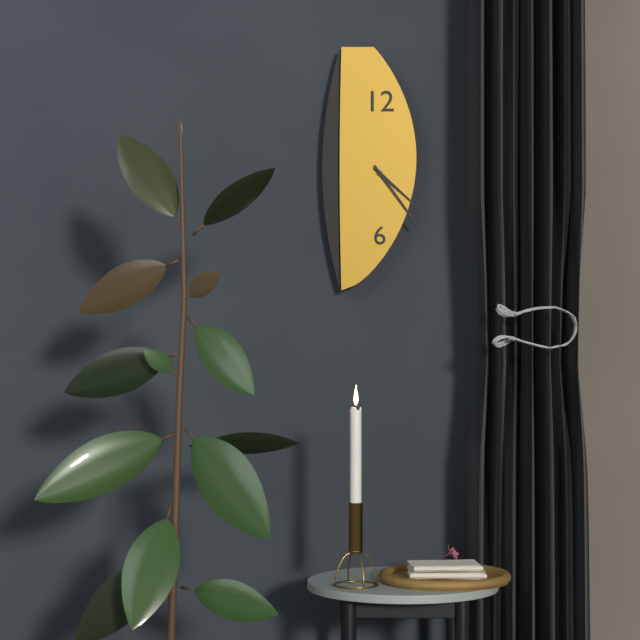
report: 4,24
